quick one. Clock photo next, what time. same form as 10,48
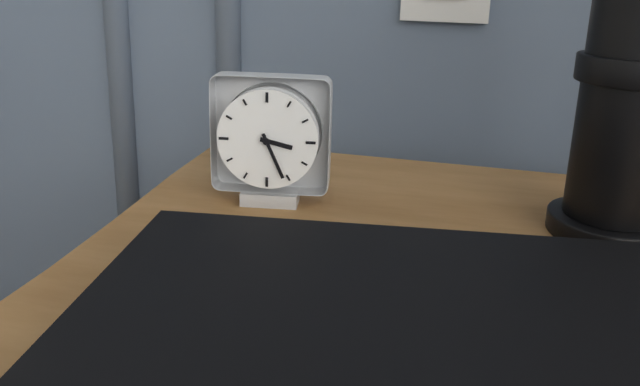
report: 3,26
